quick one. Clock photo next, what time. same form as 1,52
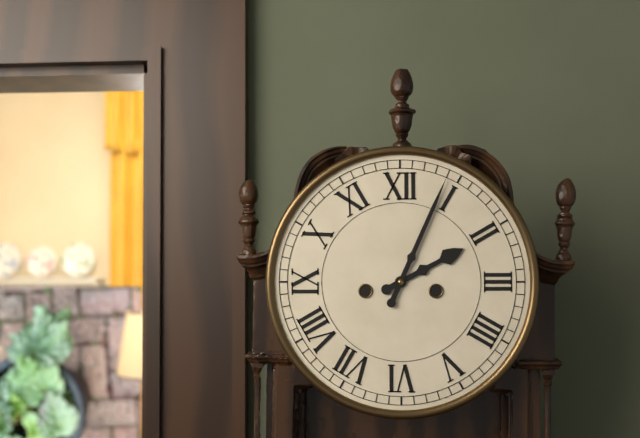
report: 2,04
